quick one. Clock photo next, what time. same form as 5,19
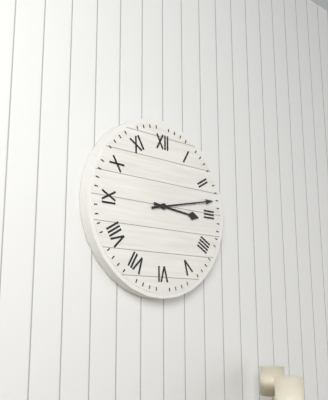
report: 3,13
